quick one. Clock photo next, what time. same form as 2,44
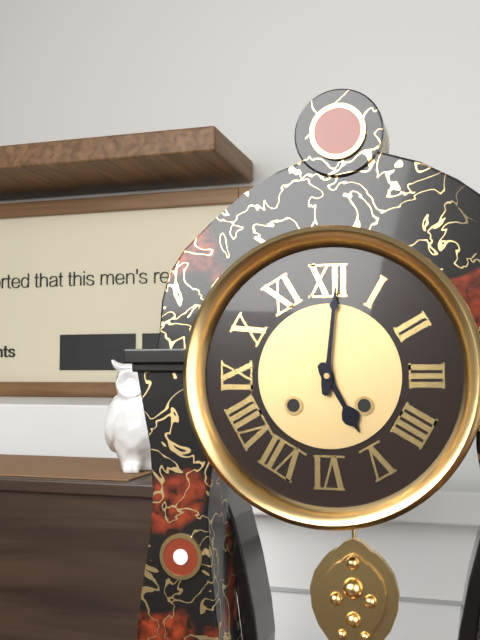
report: 5,01
